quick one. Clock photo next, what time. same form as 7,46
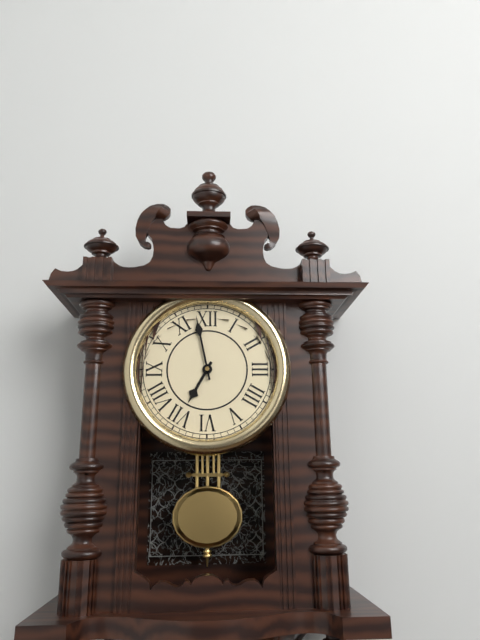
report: 6,58
